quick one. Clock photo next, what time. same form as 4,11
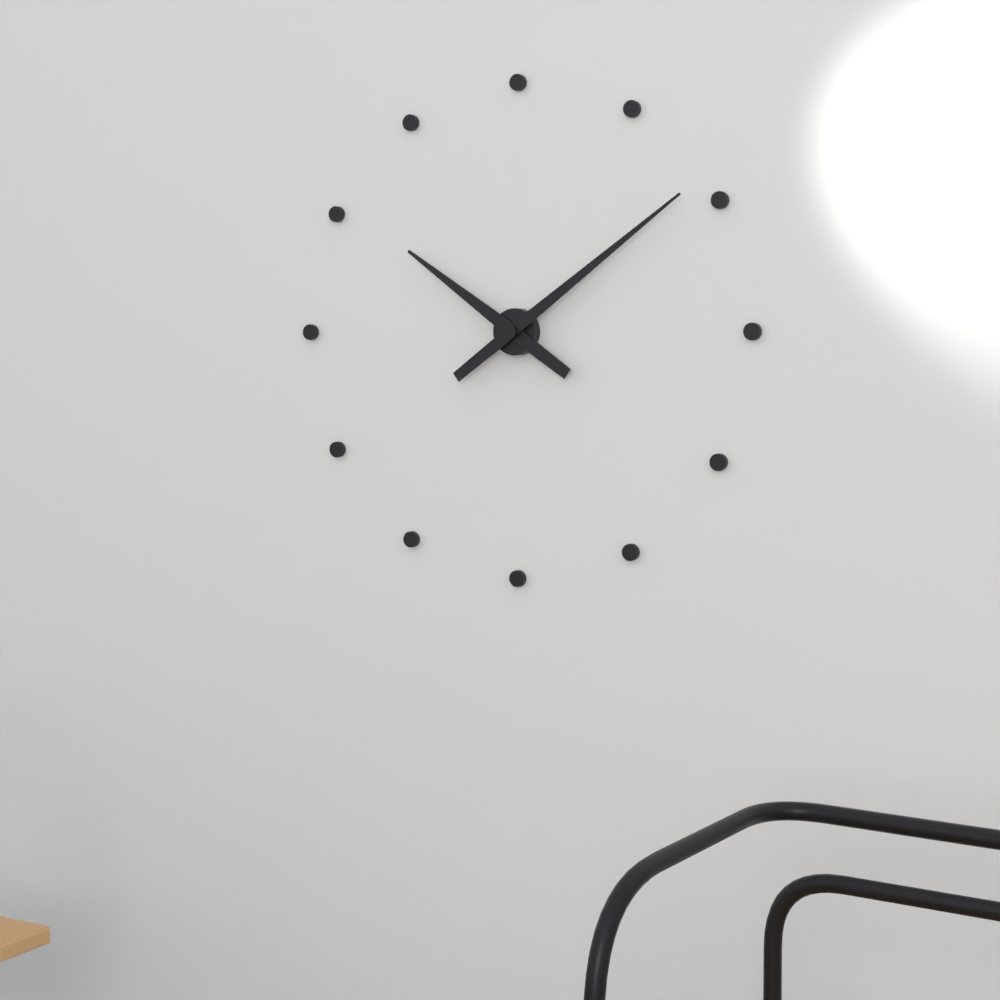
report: 10,09
